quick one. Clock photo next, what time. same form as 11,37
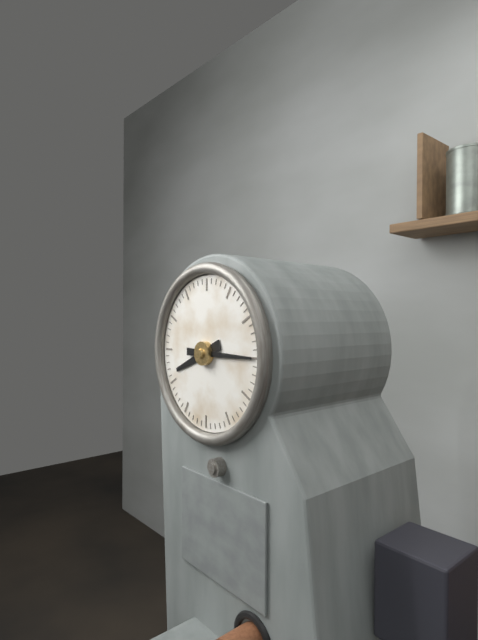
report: 8,15
